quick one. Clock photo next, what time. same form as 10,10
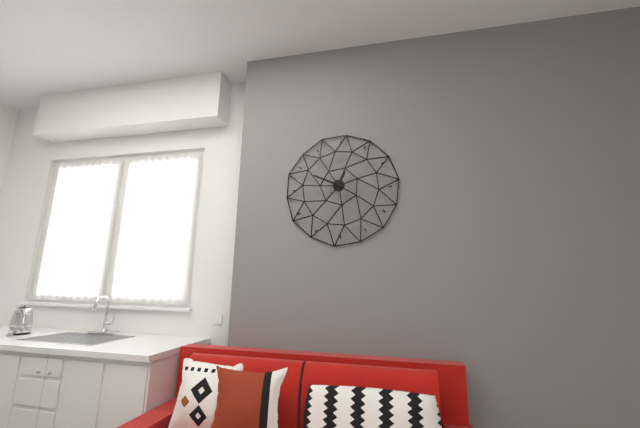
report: 12,49
